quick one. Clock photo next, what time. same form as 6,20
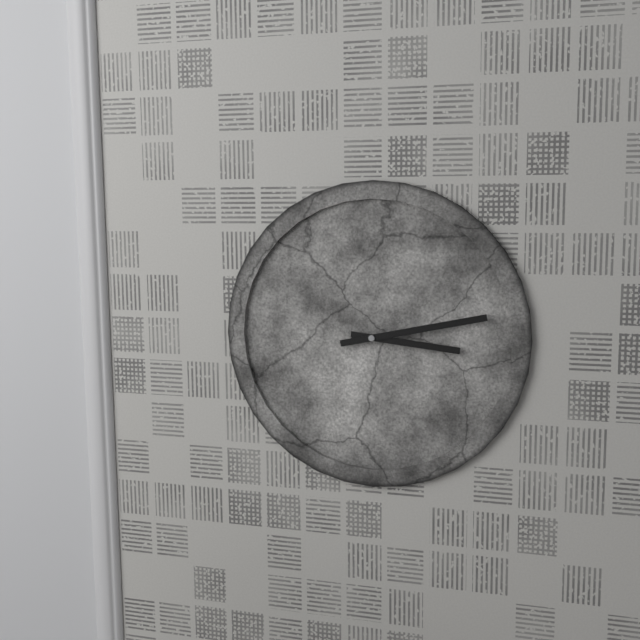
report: 3,13
